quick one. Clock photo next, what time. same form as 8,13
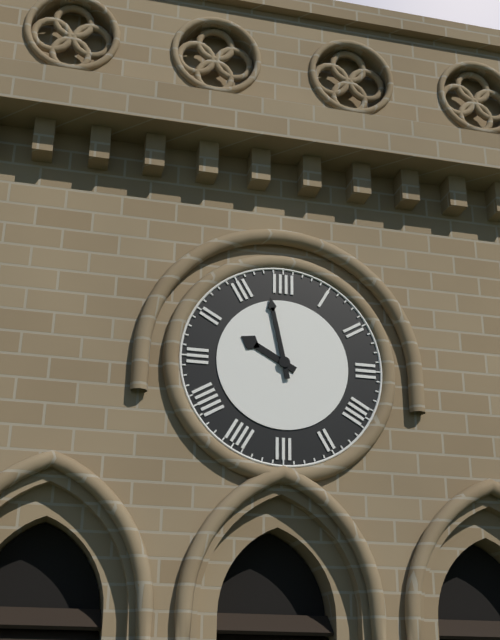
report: 9,58
